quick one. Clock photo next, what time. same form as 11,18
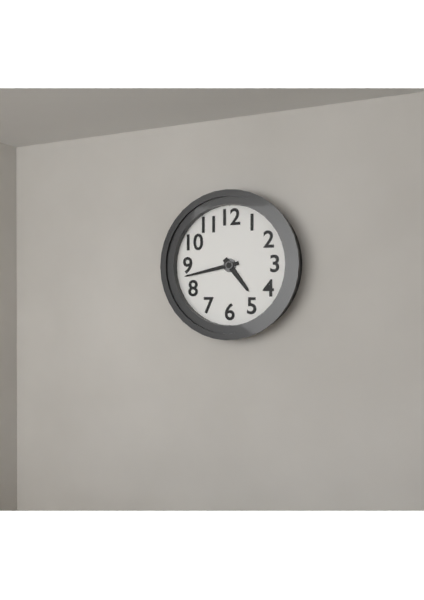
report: 4,43
